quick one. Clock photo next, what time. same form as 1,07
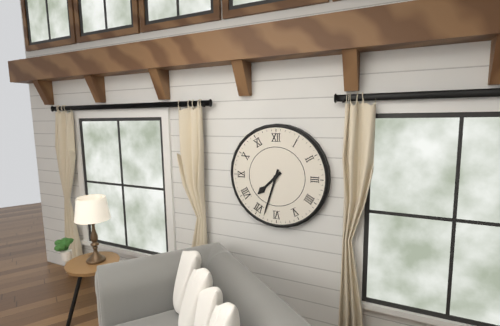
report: 7,33
